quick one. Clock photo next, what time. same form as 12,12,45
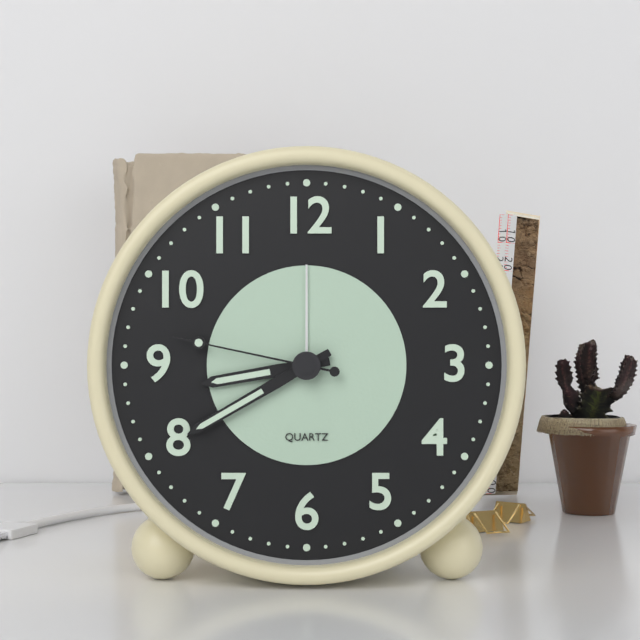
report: 8,40,47
